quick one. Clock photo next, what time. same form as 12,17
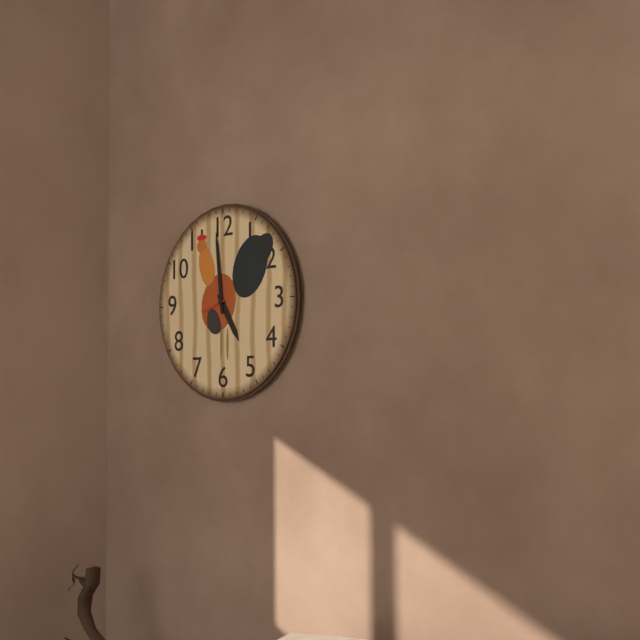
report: 4,59
